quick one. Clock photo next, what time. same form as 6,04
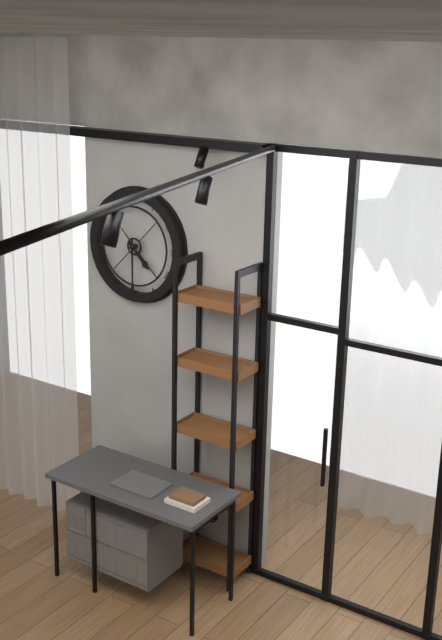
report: 4,30
